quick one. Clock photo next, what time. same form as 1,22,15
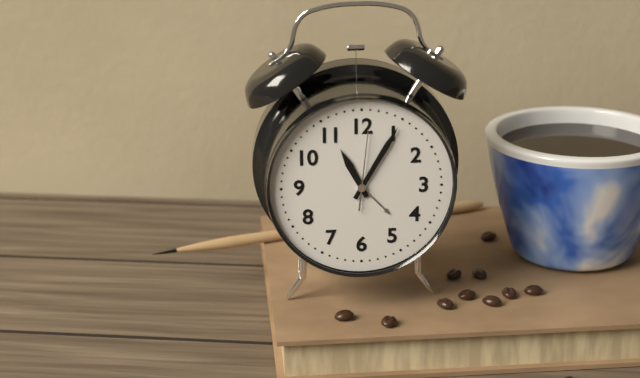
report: 11,05,01
